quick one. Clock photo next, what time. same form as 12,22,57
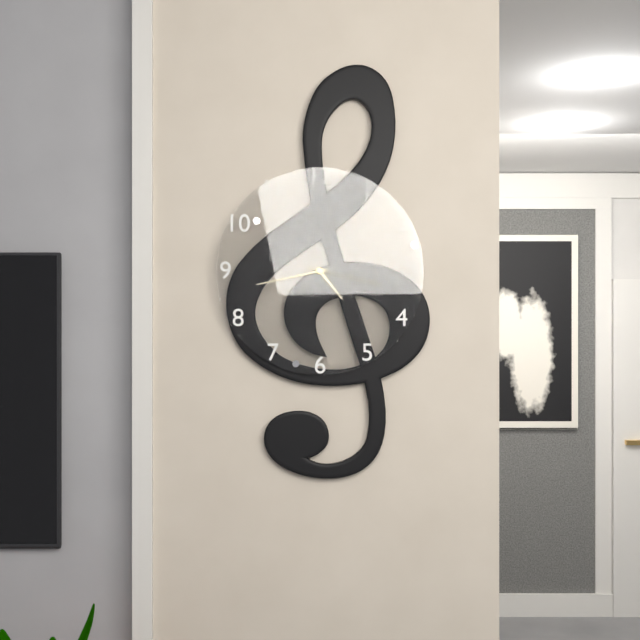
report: 4,43,17
